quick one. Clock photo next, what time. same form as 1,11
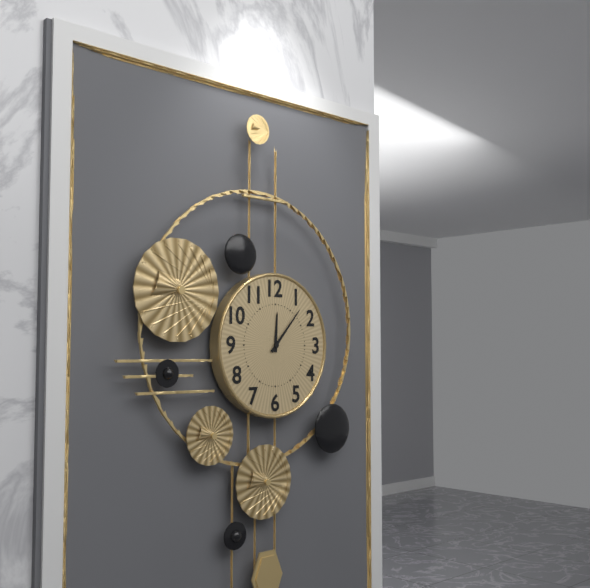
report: 12,07
